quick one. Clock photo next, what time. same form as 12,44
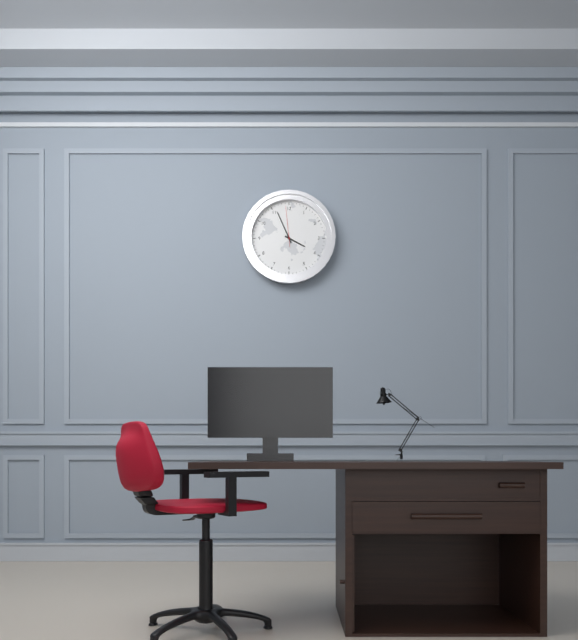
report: 3,56
